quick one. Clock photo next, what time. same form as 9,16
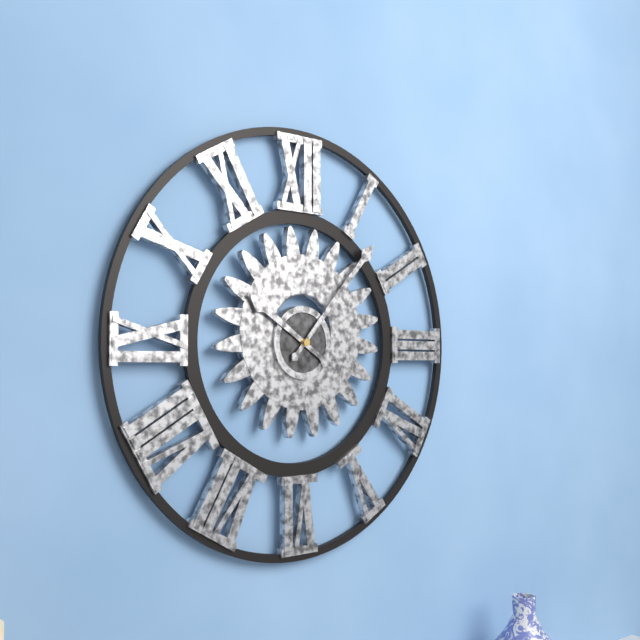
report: 10,07
